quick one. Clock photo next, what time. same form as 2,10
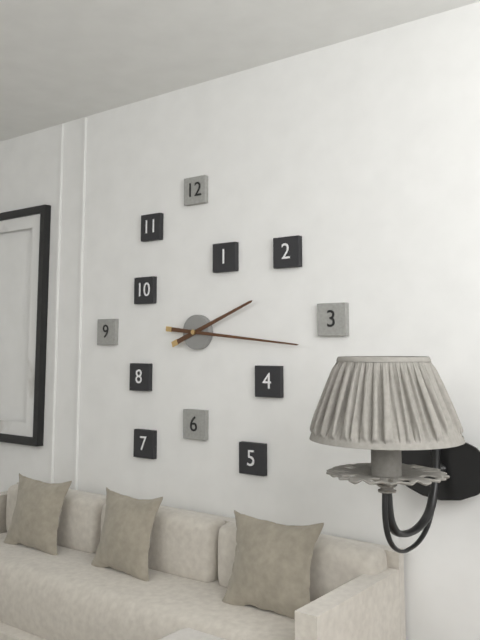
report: 2,16
